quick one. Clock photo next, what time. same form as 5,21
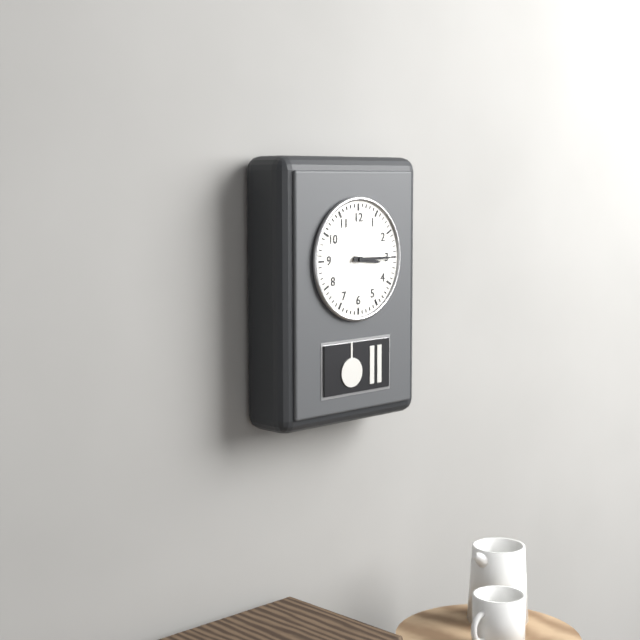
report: 3,15
